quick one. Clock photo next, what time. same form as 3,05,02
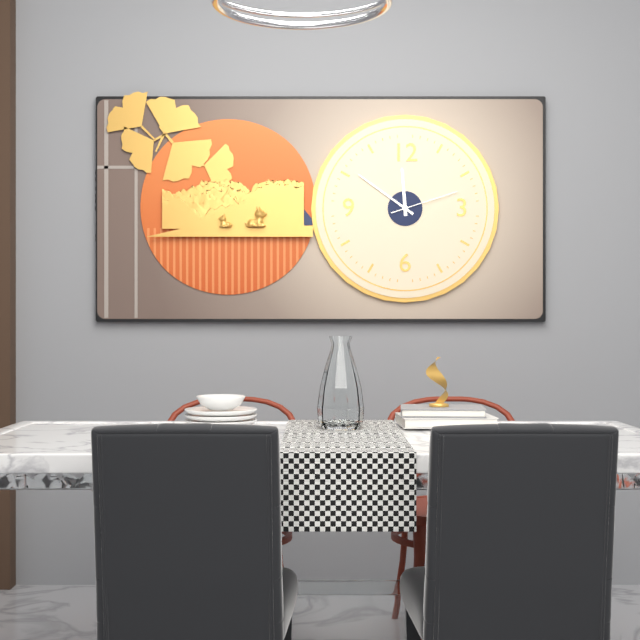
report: 11,51,12
